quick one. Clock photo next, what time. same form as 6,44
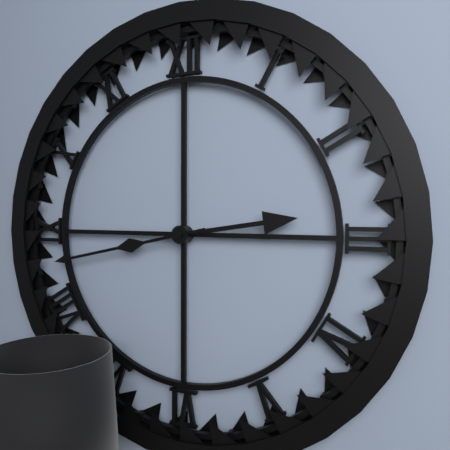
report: 2,43
